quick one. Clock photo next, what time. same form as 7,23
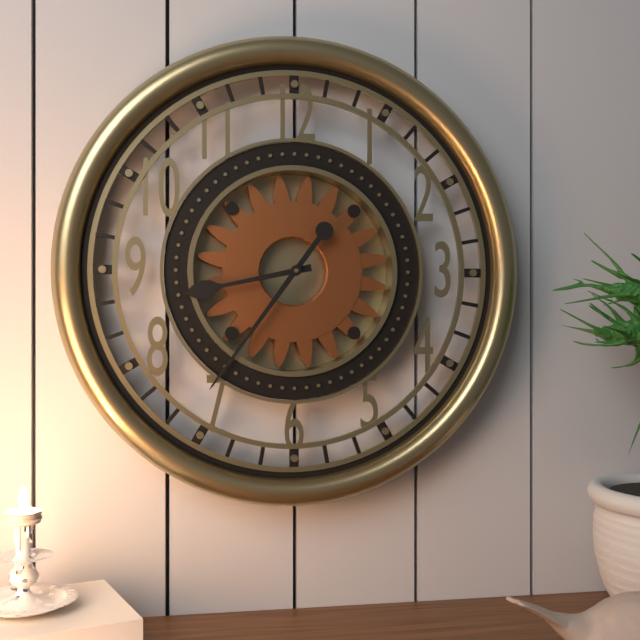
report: 8,36
